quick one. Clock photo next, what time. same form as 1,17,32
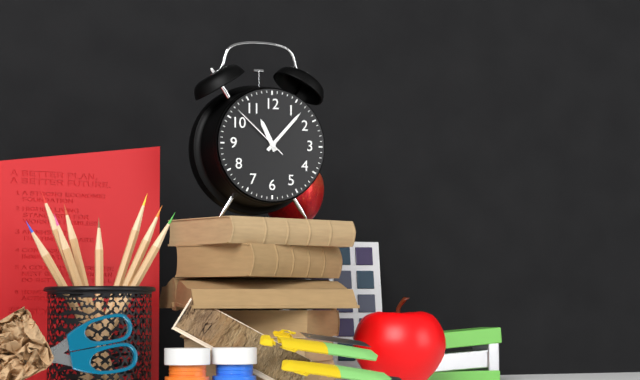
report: 11,07,52
